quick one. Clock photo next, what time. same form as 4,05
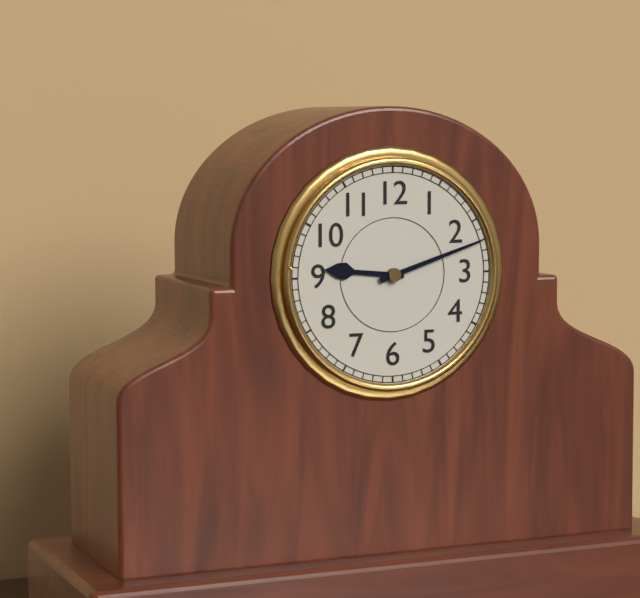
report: 9,12
